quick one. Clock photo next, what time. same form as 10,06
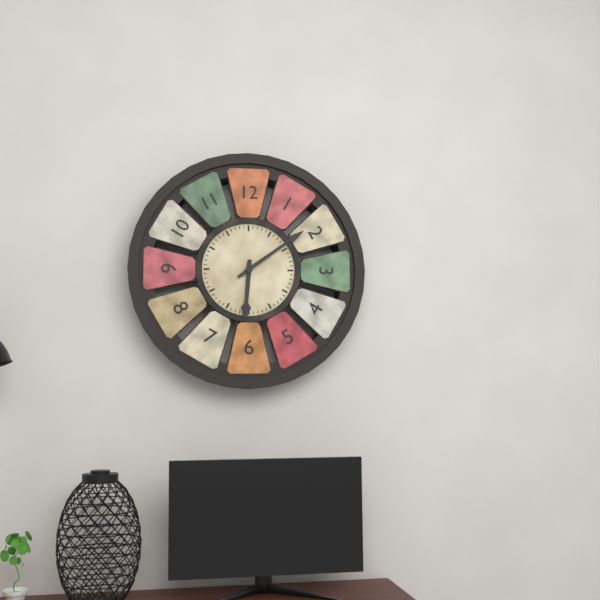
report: 6,09
